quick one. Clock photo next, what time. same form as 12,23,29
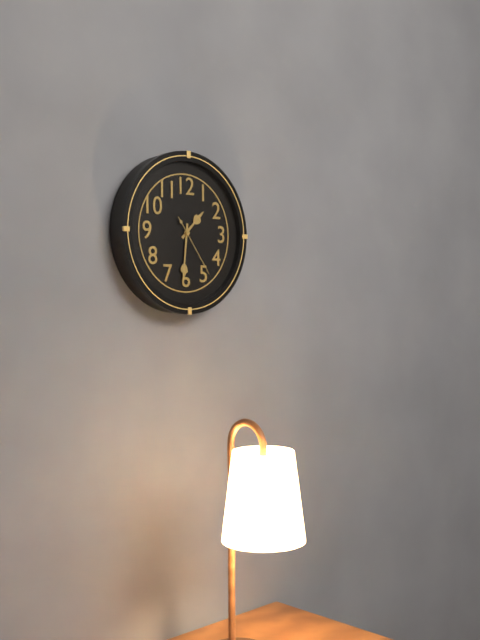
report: 1,31,24
